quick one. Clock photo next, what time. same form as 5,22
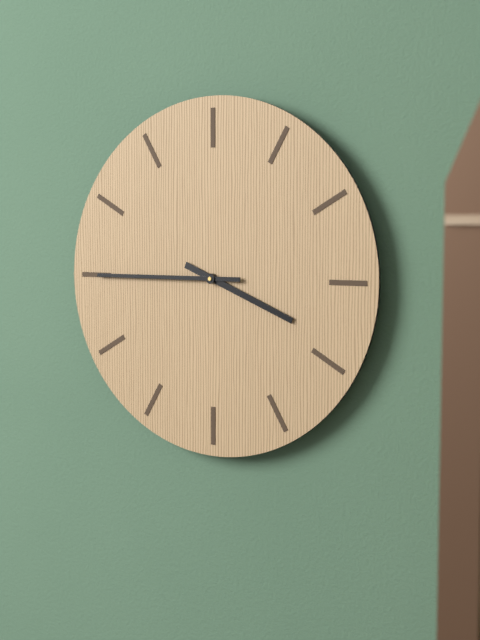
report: 3,45
